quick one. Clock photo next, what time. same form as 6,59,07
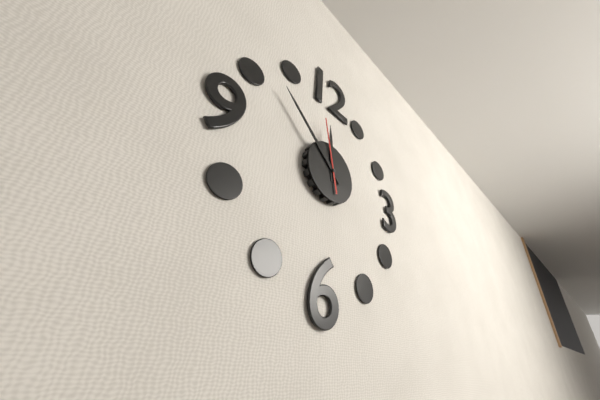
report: 11,52,58
